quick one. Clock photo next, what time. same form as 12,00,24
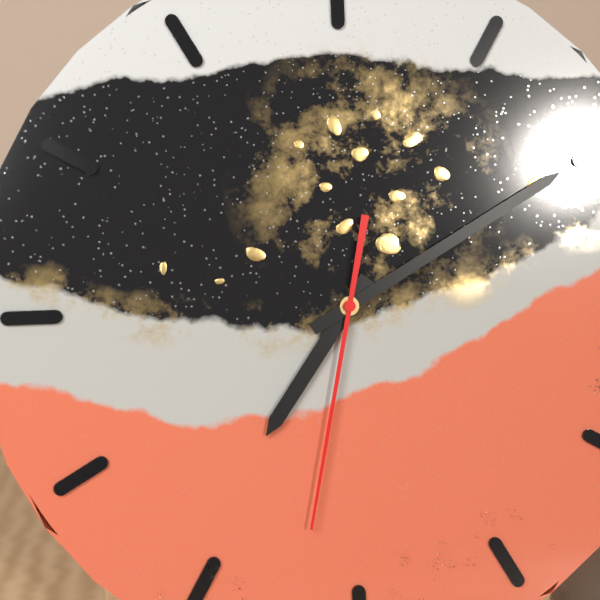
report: 7,10,32
